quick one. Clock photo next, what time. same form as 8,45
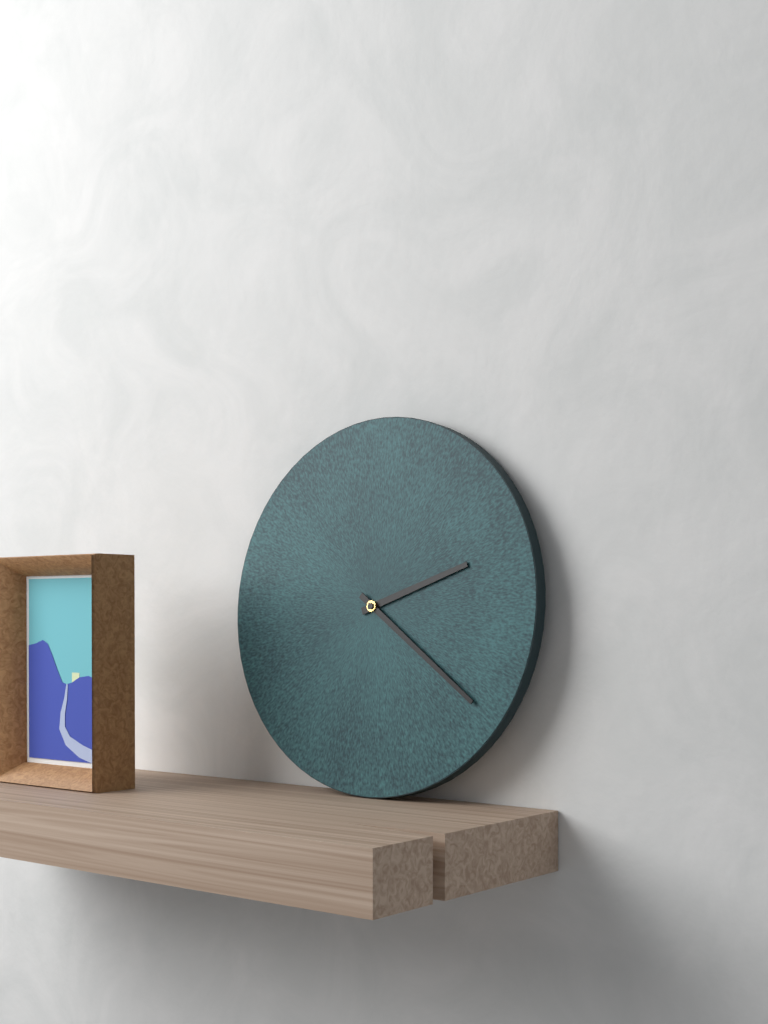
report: 2,21
